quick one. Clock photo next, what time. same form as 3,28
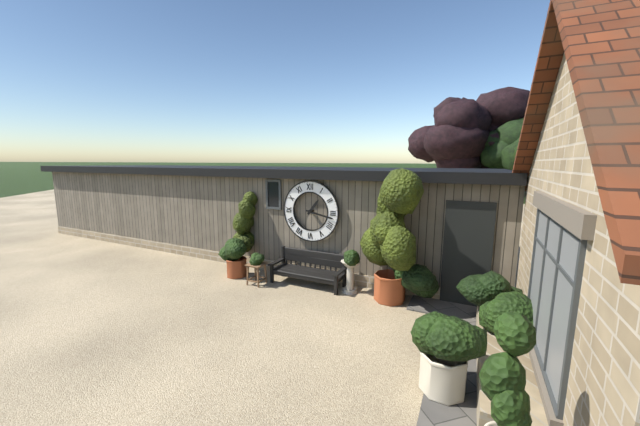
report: 1,17
